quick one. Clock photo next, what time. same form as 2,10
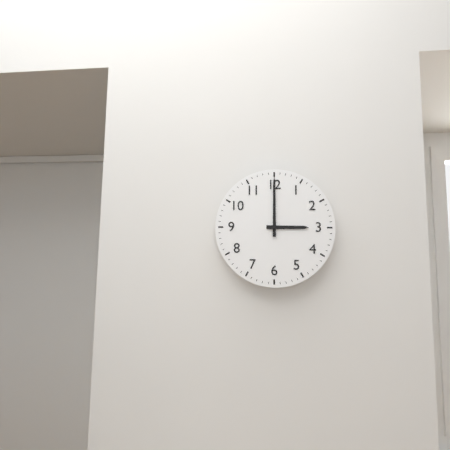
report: 3,00
